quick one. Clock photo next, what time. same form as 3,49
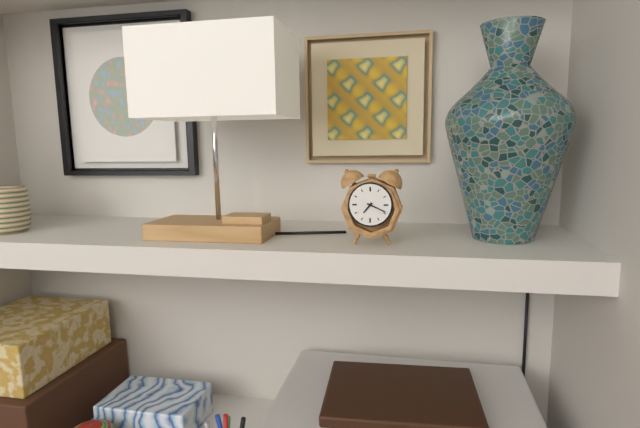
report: 7,19
